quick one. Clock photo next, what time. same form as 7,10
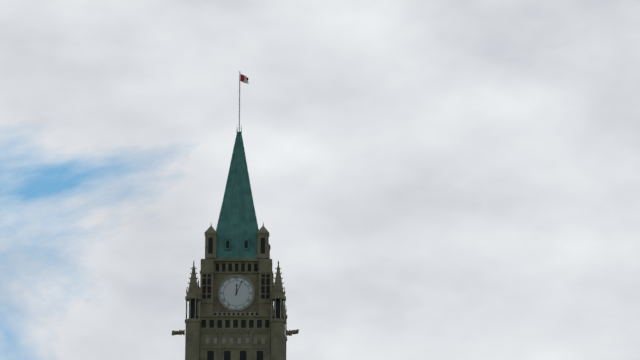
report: 12,04
